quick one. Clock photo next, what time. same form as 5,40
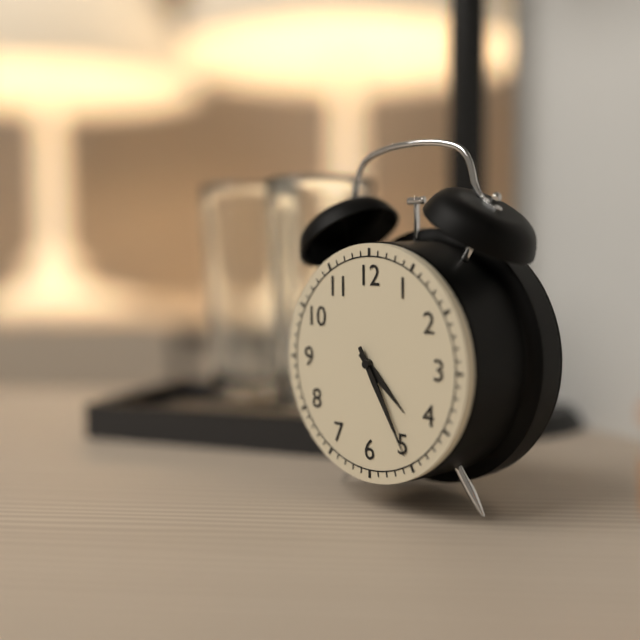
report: 4,25
